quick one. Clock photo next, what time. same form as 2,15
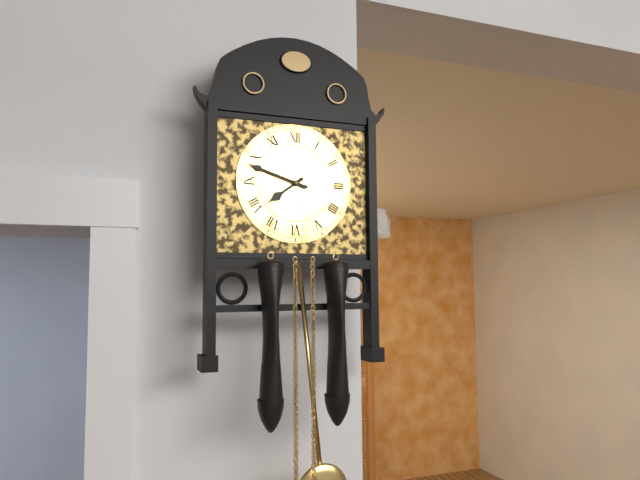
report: 7,48
